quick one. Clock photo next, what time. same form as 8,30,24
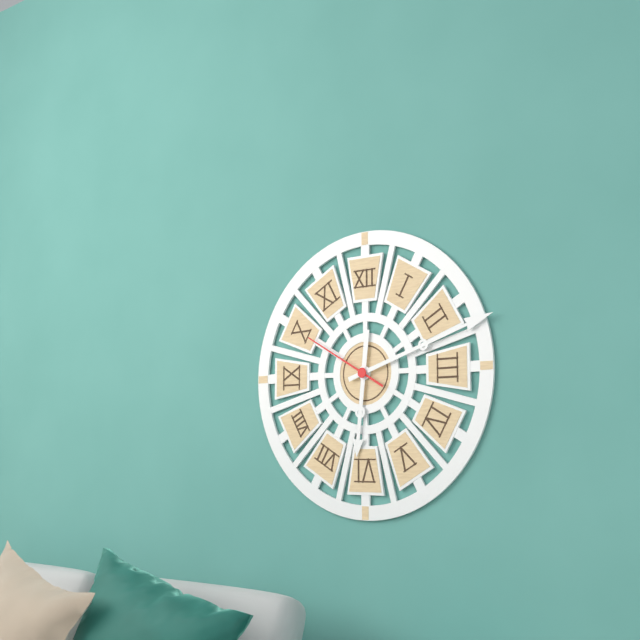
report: 6,12,50
